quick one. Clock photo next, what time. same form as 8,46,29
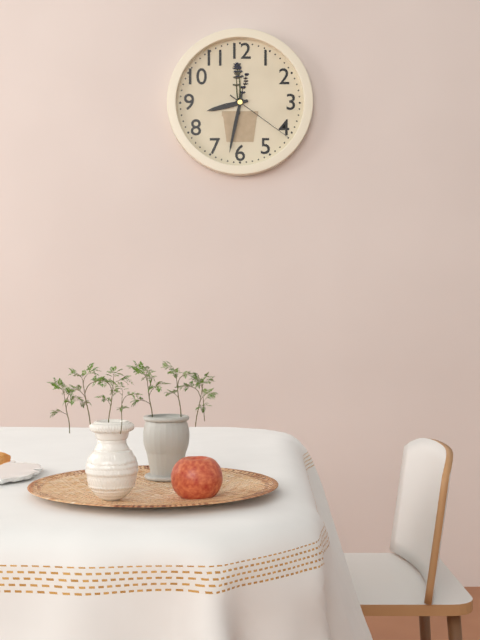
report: 8,32,21
